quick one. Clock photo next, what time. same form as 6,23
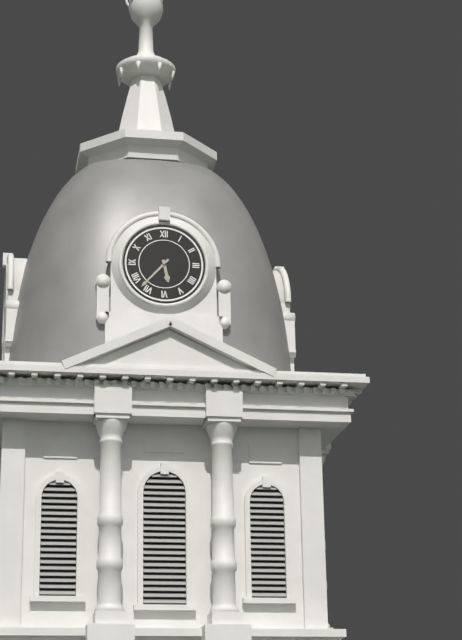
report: 5,37
